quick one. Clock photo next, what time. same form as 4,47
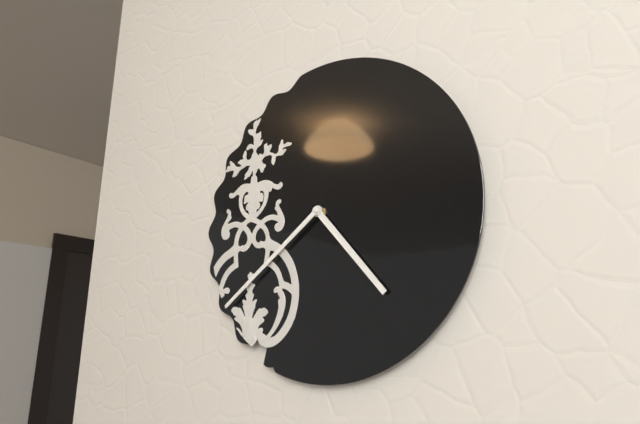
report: 4,39
